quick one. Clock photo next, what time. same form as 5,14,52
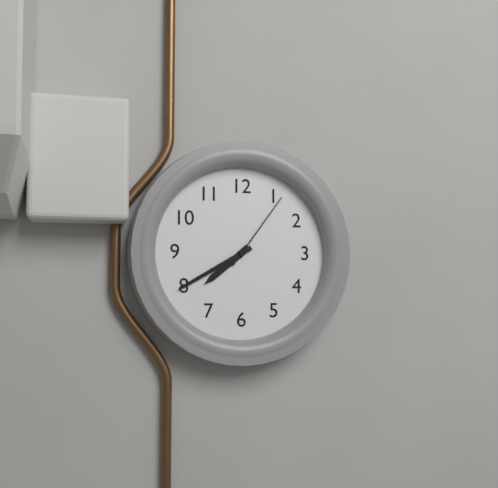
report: 7,40,06
